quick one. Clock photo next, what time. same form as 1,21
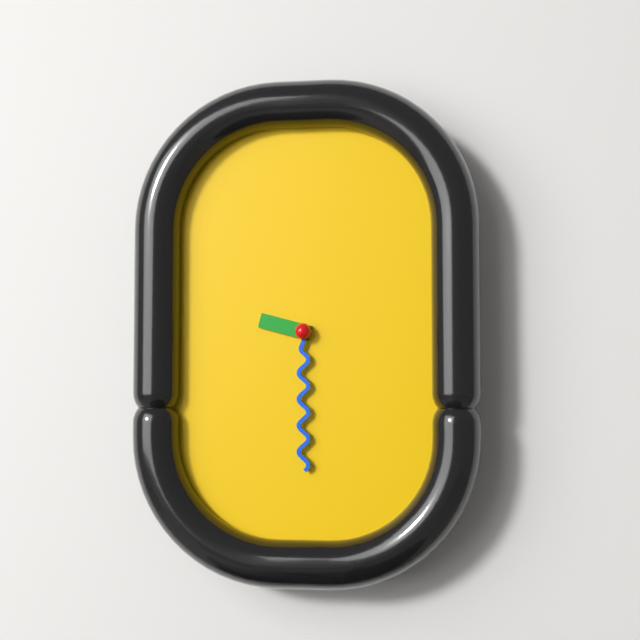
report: 9,30
